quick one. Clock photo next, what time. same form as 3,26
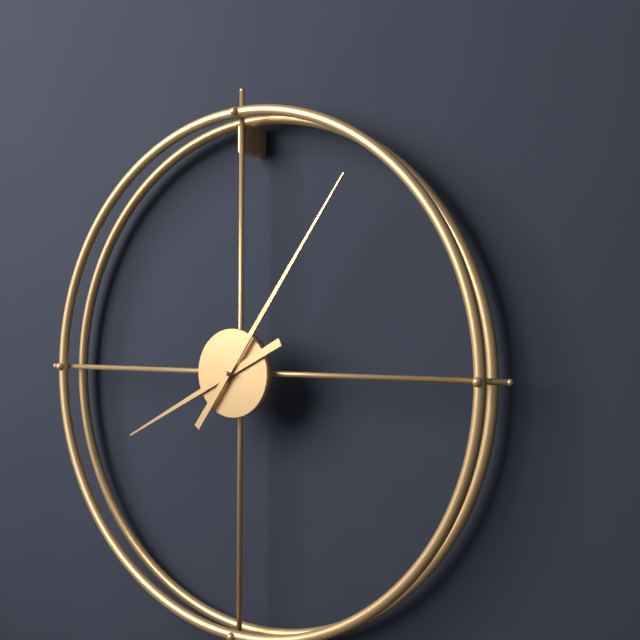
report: 8,06
